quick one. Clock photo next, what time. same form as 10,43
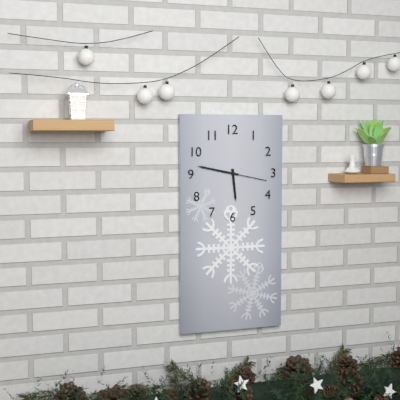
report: 5,47
